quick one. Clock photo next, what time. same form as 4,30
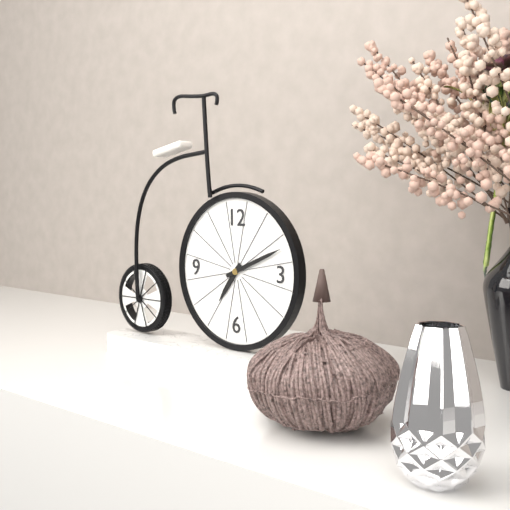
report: 7,11
